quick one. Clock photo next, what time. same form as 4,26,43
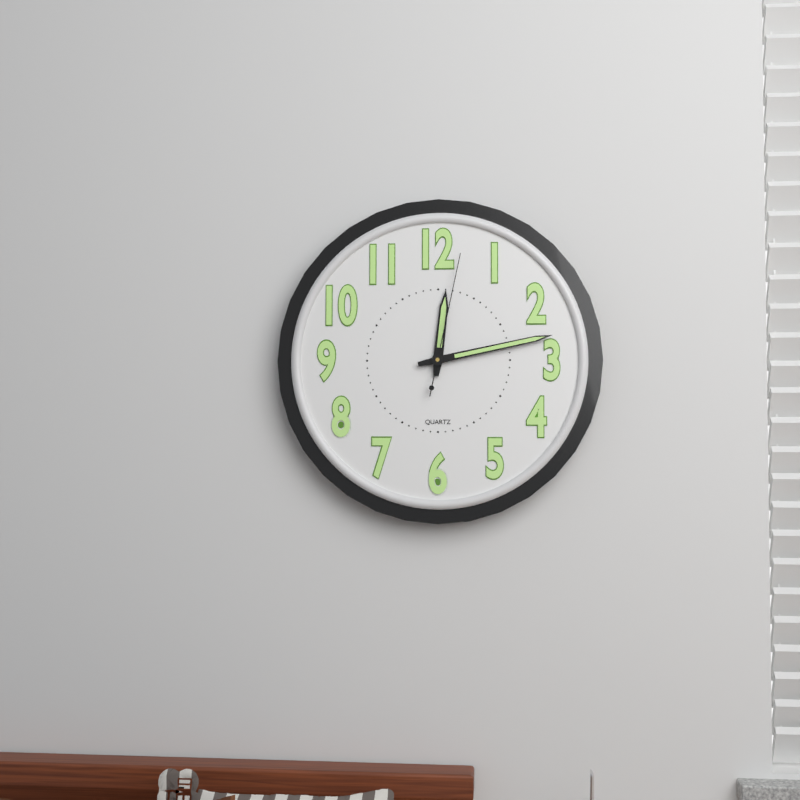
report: 12,13,02
